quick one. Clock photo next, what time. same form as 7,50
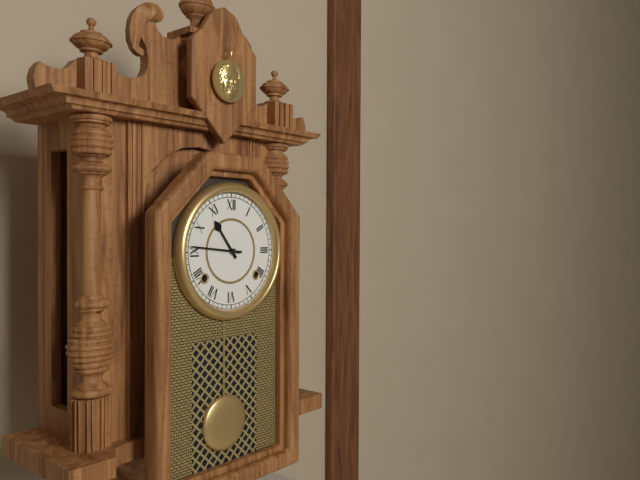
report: 10,46
